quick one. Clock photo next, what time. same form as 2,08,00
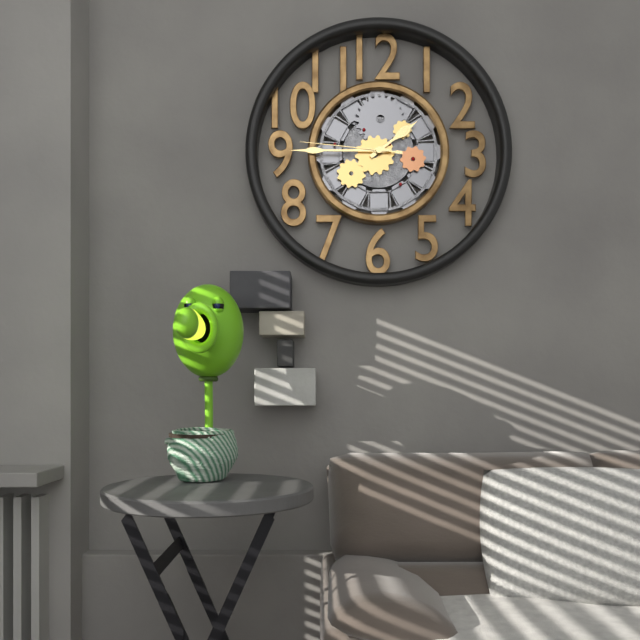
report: 1,45,46
